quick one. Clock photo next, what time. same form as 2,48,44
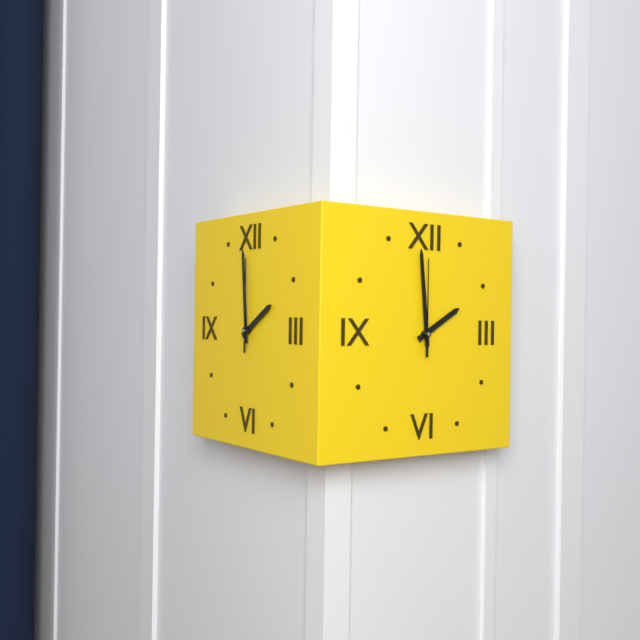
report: 1,59,00
